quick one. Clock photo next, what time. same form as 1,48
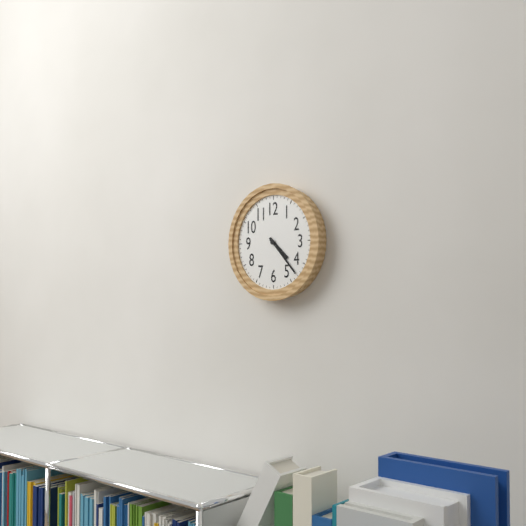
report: 4,23
